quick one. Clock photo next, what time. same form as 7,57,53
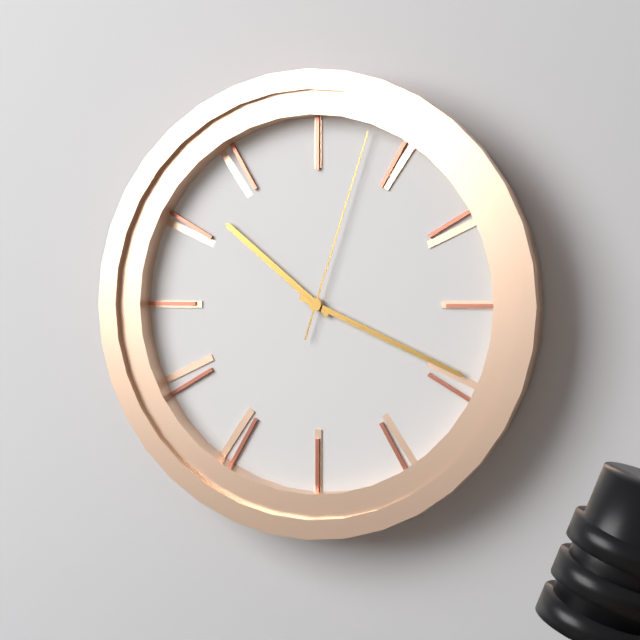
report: 10,19,03
